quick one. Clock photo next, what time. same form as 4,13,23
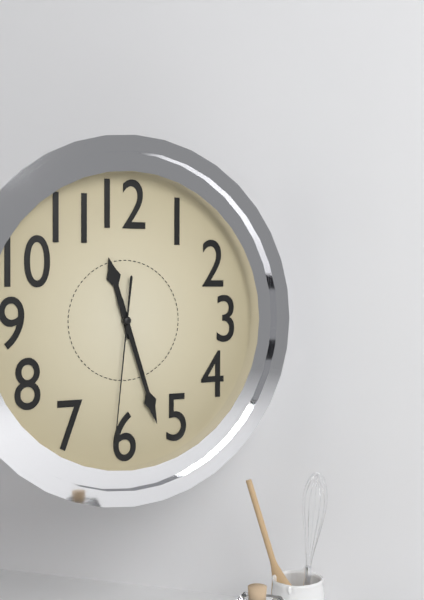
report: 11,27,31
